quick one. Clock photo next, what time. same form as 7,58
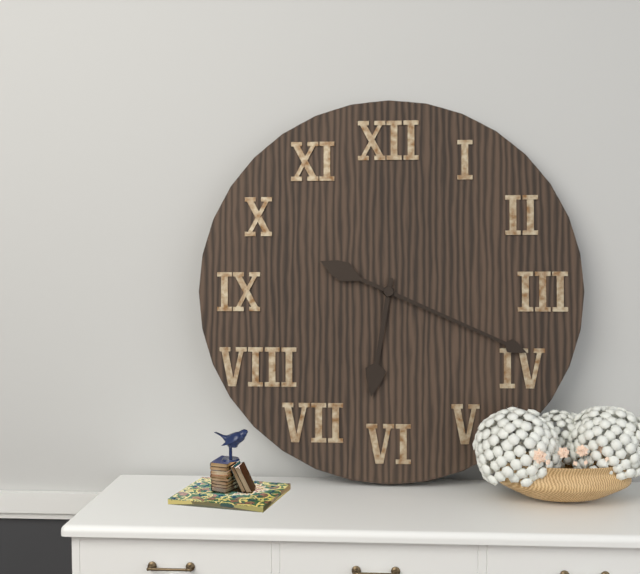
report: 6,19
